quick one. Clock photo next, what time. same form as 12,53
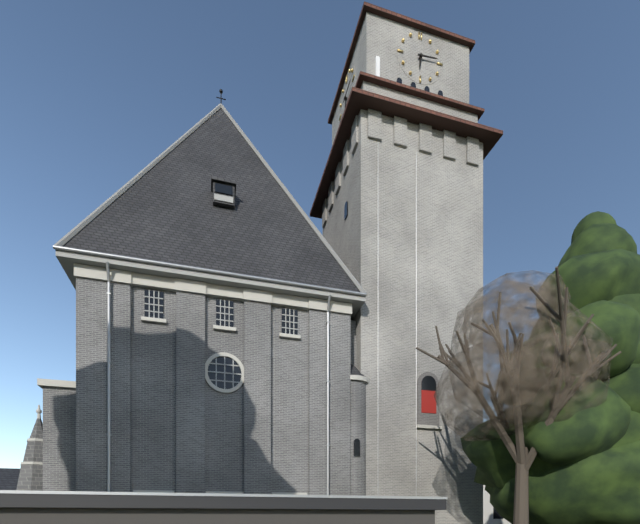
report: 6,14
